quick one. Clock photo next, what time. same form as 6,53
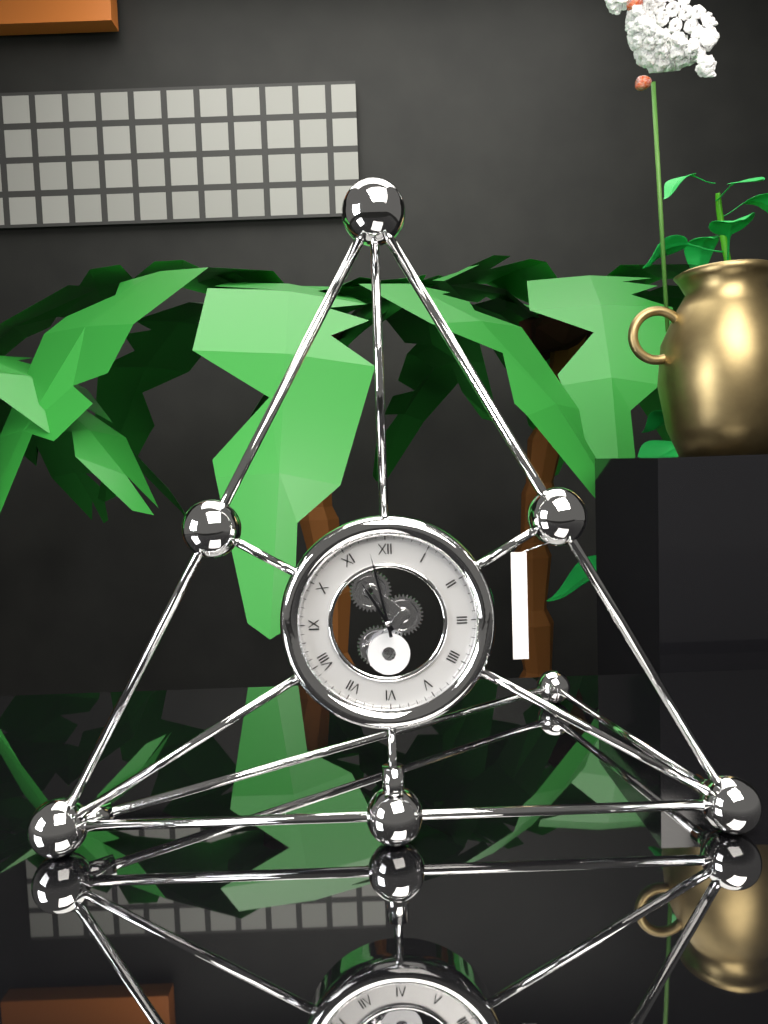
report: 10,58
